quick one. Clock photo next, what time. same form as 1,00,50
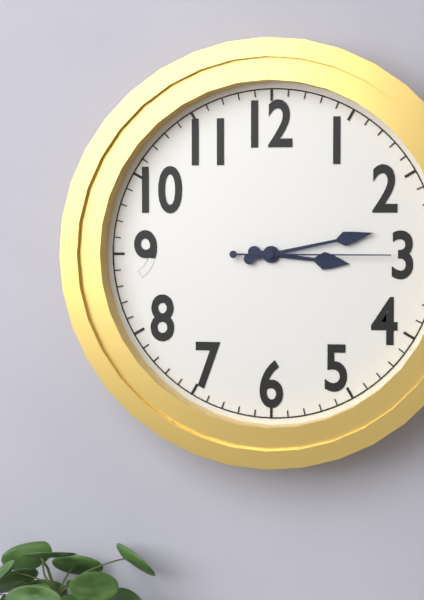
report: 3,13,15
